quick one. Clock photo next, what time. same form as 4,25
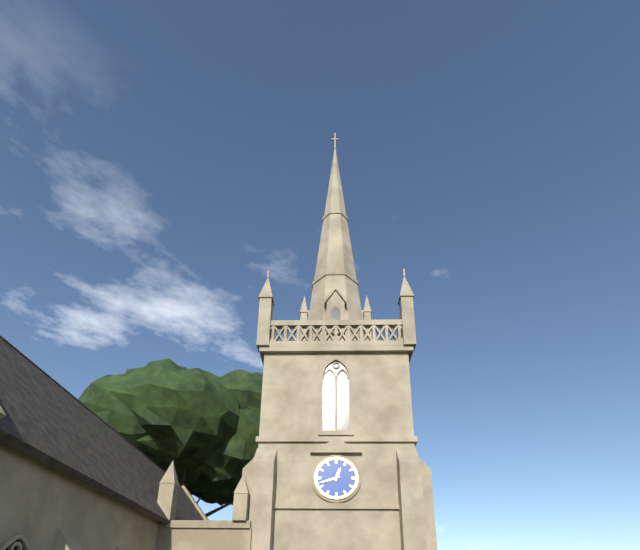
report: 12,42
